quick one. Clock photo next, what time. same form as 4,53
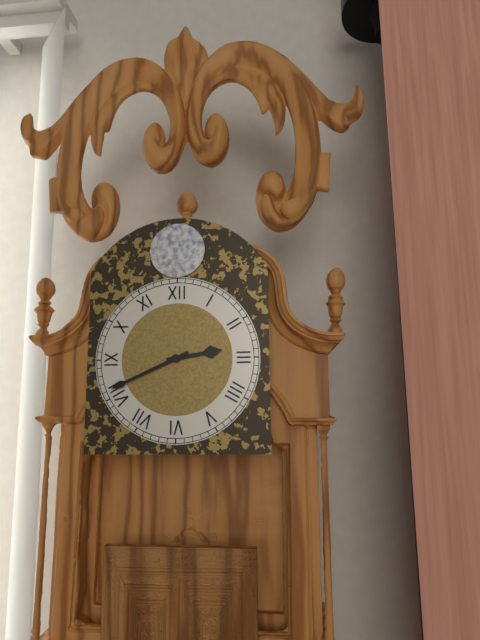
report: 2,41
